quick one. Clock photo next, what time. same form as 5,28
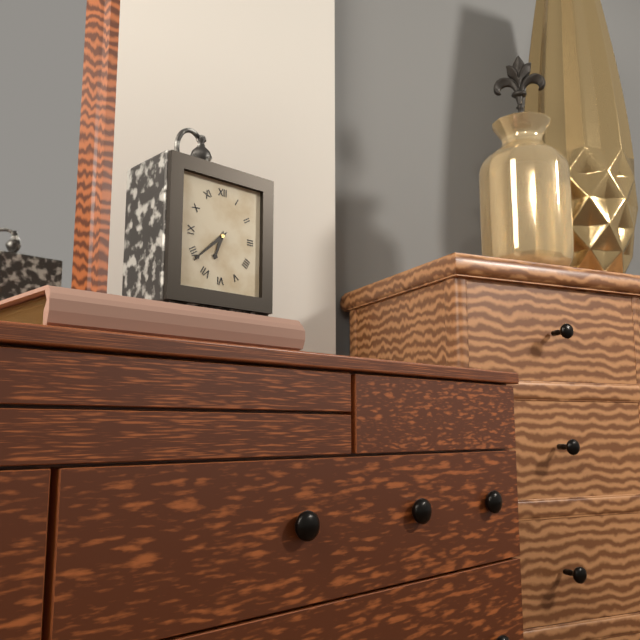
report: 6,38
